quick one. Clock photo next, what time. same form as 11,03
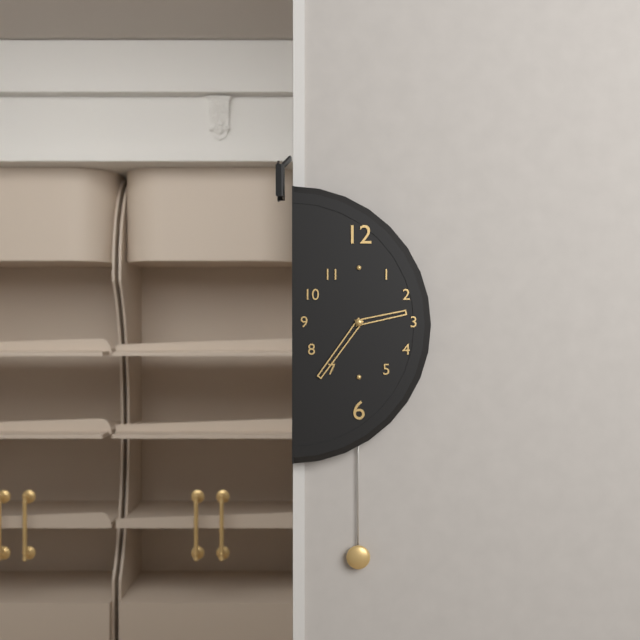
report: 2,36
